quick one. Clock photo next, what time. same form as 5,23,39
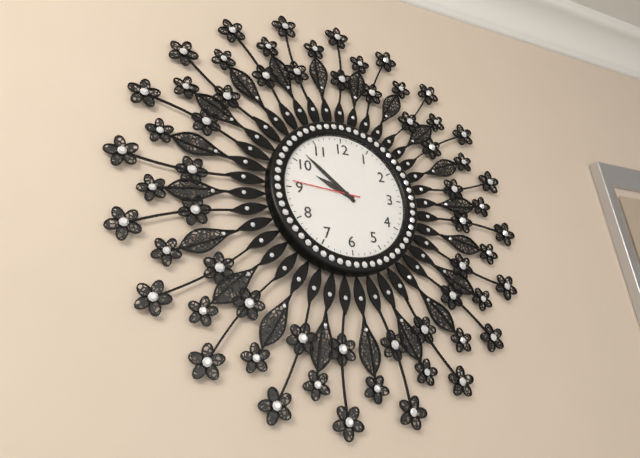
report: 9,52,46
